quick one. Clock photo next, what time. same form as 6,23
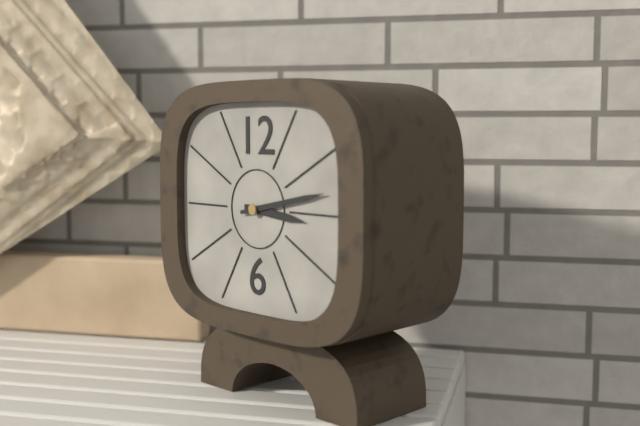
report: 3,13
